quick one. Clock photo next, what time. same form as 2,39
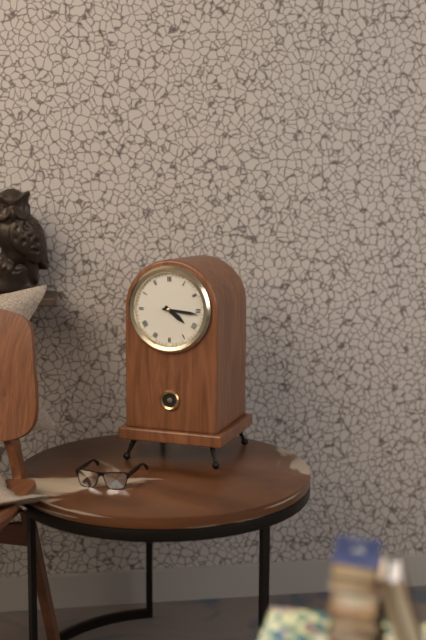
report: 4,16
